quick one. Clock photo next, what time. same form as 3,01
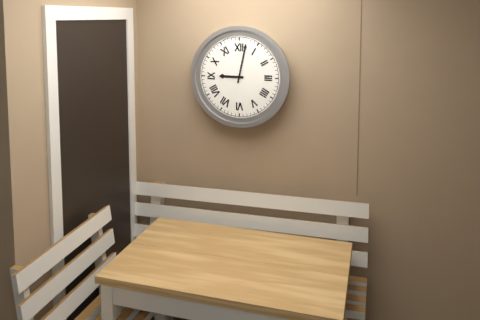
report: 9,02
